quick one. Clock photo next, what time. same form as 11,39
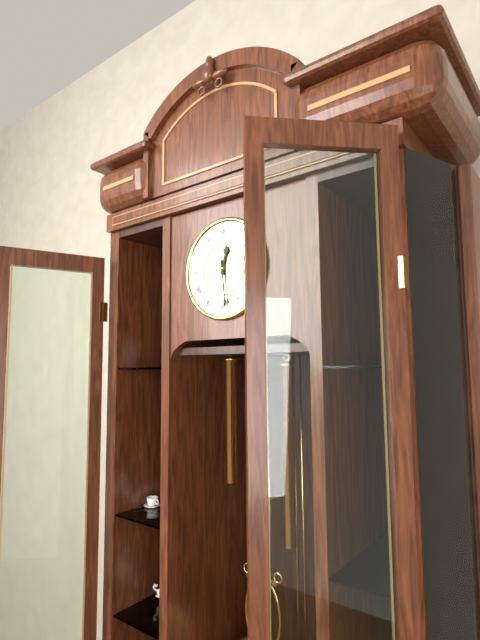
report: 12,29
